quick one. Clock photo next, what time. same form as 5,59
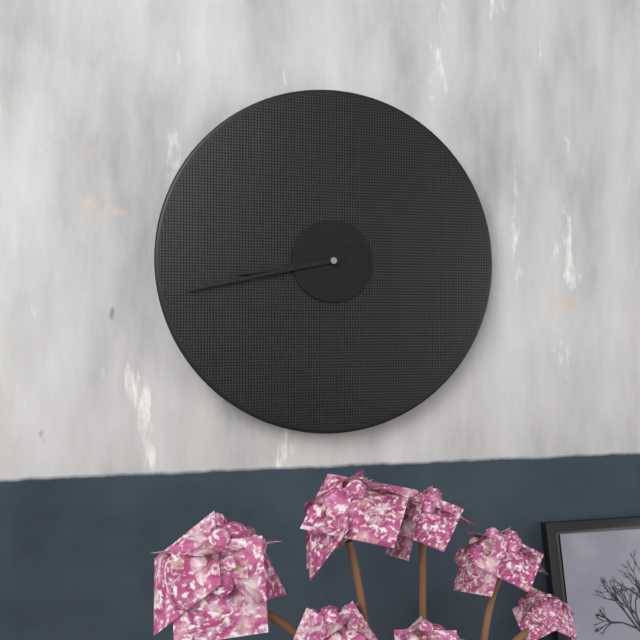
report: 8,43
